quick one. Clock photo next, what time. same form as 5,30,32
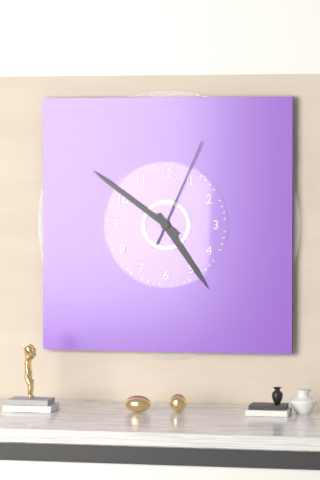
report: 4,51,04
